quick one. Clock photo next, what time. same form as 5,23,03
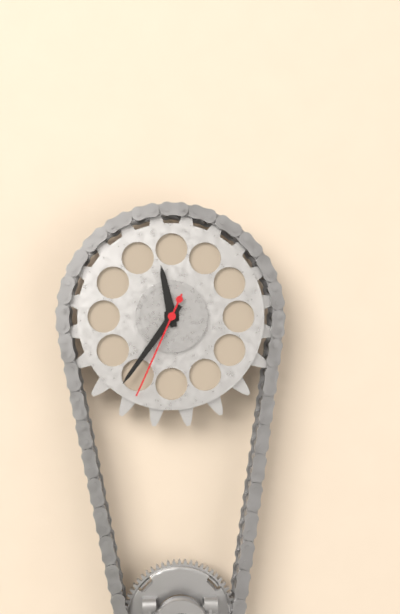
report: 11,36,34
